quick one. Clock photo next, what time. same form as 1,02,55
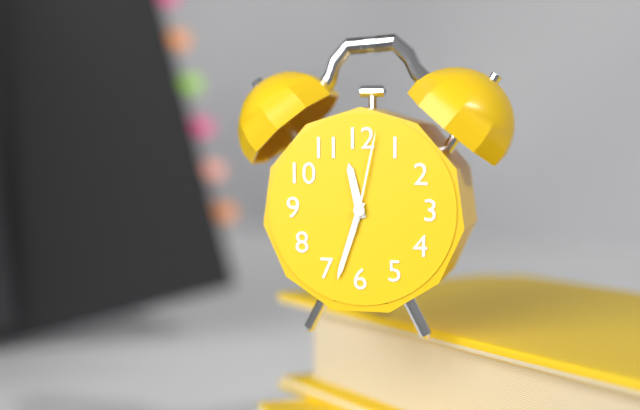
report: 11,33,02
